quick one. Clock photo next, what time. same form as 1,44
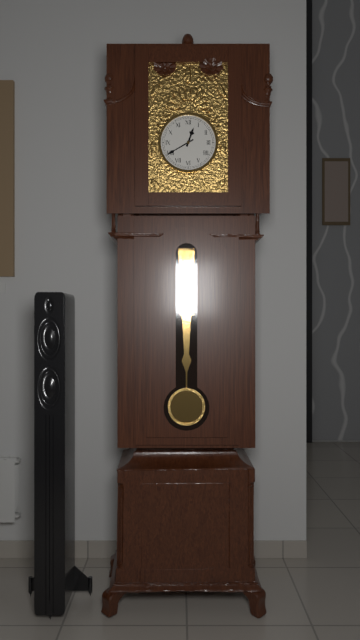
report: 12,40
